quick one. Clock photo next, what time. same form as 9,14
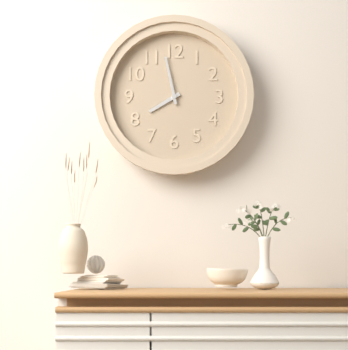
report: 7,58
